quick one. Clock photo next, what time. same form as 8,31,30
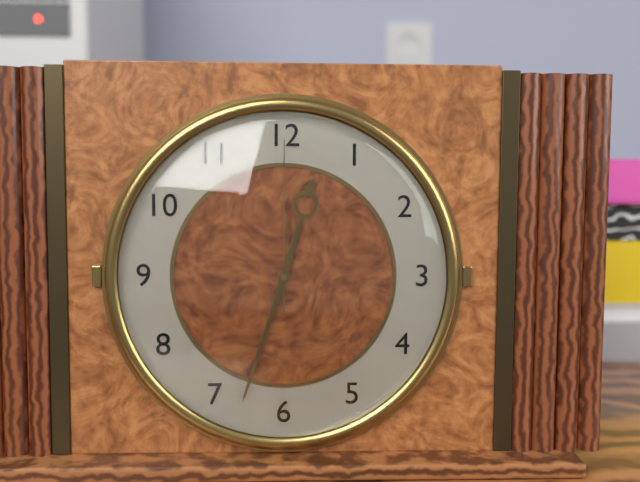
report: 12,33,00
